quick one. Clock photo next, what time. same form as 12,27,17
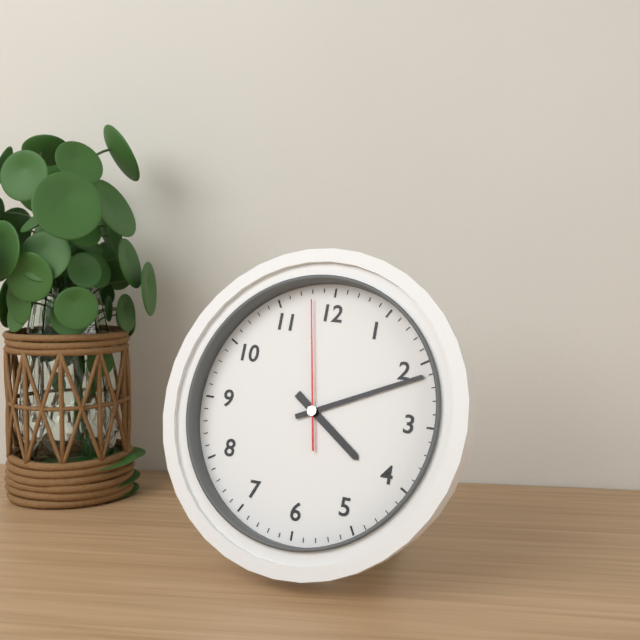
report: 4,11,58
